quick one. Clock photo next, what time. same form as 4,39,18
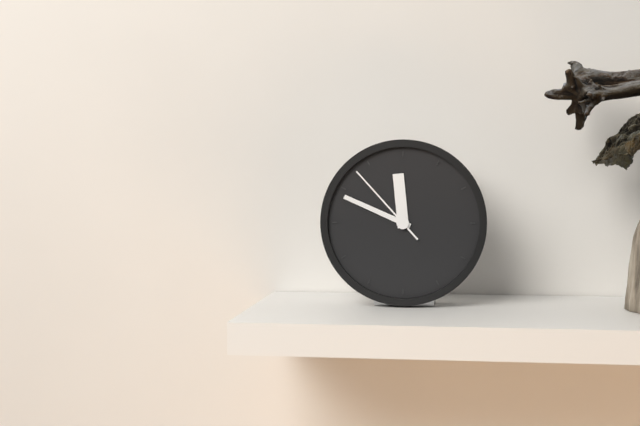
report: 11,49,53
